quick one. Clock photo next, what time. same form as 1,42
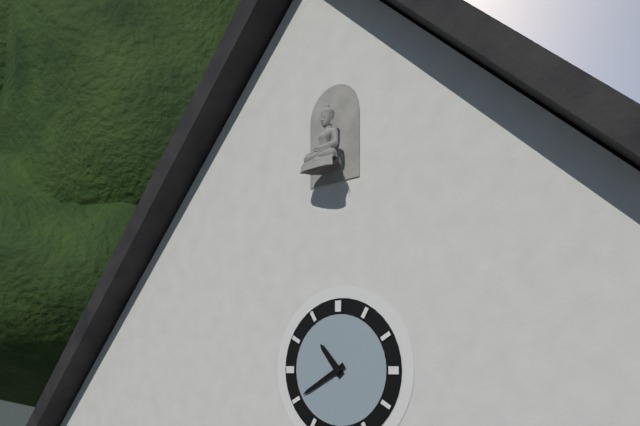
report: 10,40
